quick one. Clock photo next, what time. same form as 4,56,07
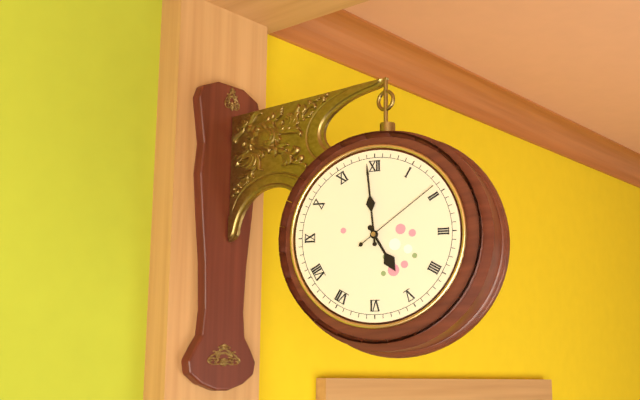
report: 4,59,09
